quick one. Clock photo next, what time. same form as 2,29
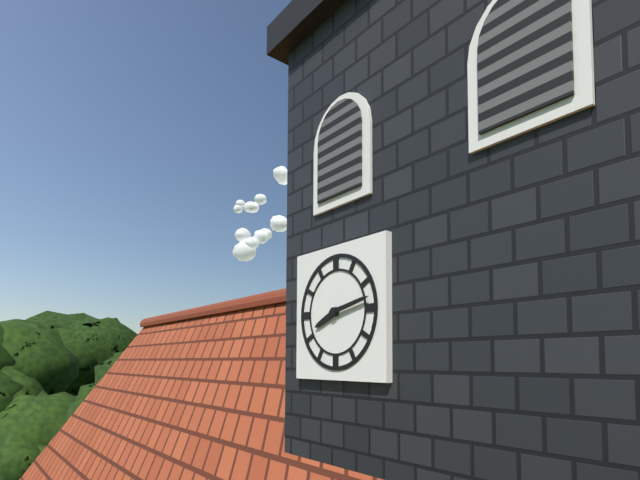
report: 8,13
